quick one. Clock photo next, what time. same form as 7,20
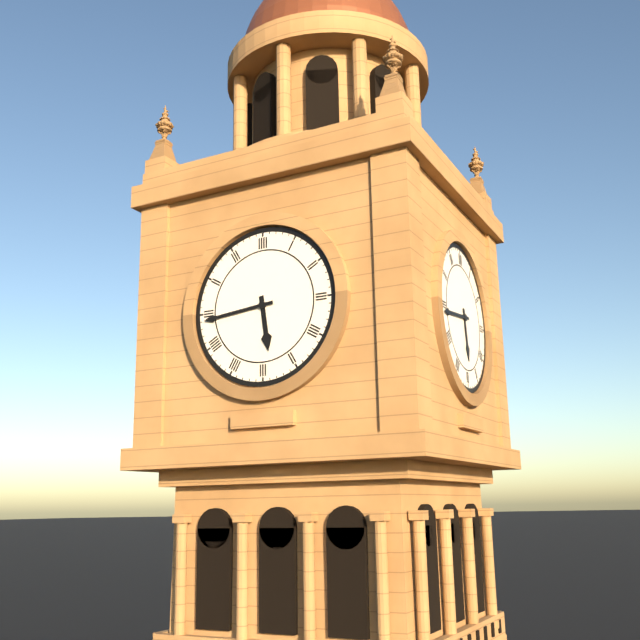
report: 5,44
